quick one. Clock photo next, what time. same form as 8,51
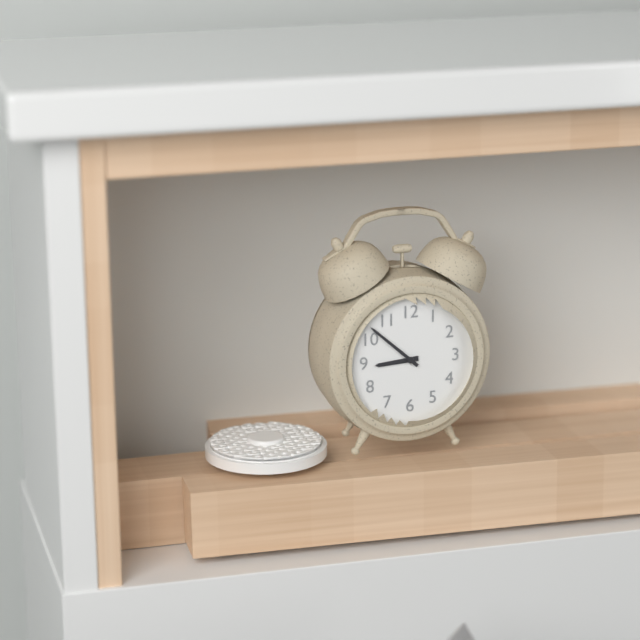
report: 8,52
